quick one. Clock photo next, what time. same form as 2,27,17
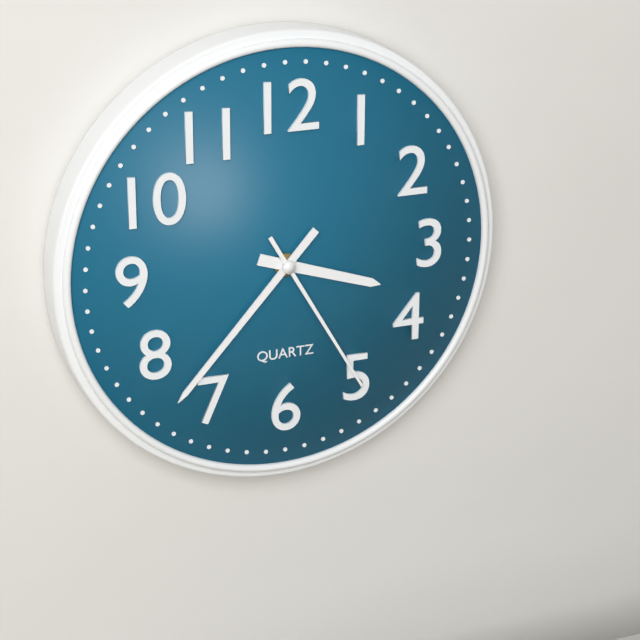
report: 3,37,25
